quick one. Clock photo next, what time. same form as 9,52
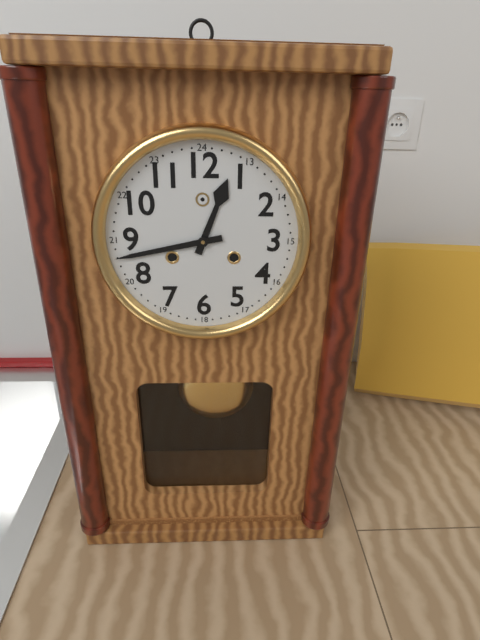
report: 12,43
